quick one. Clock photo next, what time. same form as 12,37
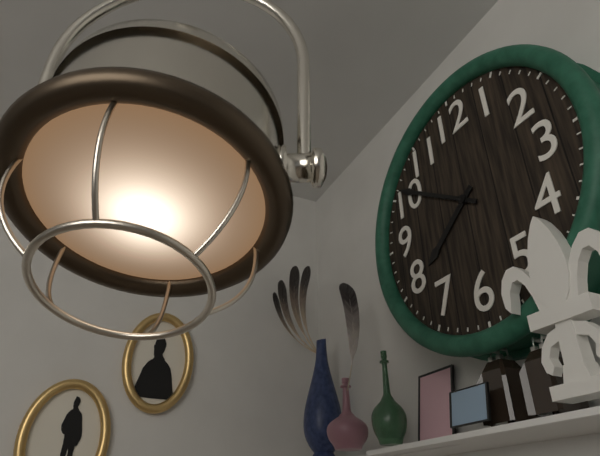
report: 7,51
